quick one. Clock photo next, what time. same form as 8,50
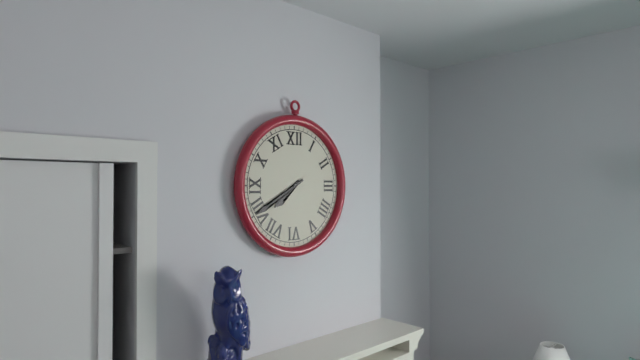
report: 7,40
